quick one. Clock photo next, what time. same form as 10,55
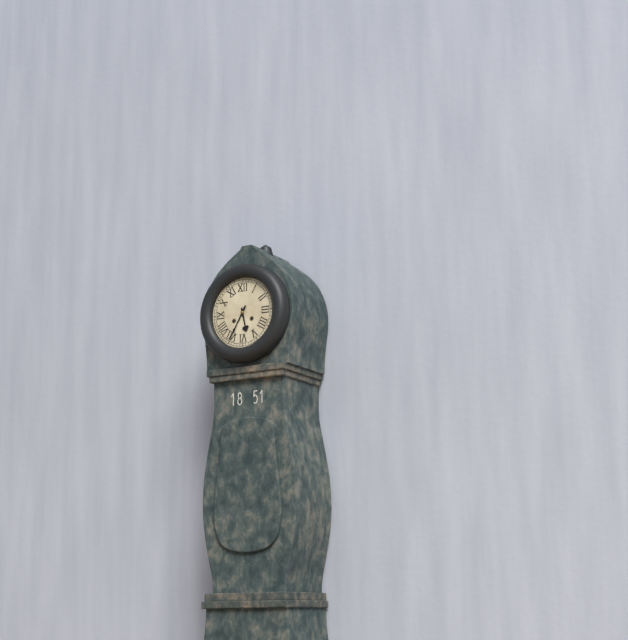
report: 5,35
